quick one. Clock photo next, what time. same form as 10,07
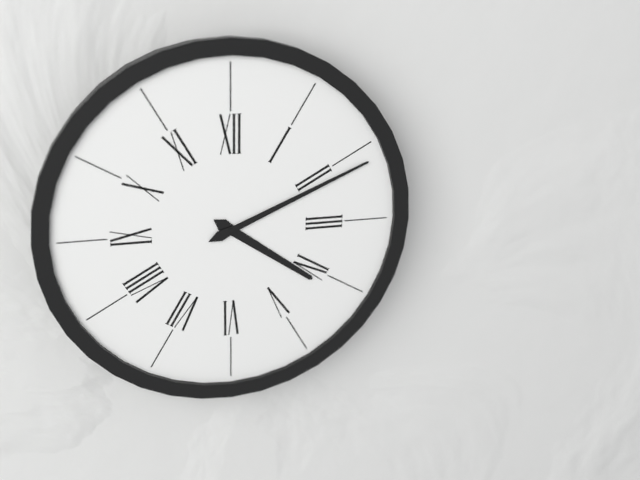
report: 4,11
